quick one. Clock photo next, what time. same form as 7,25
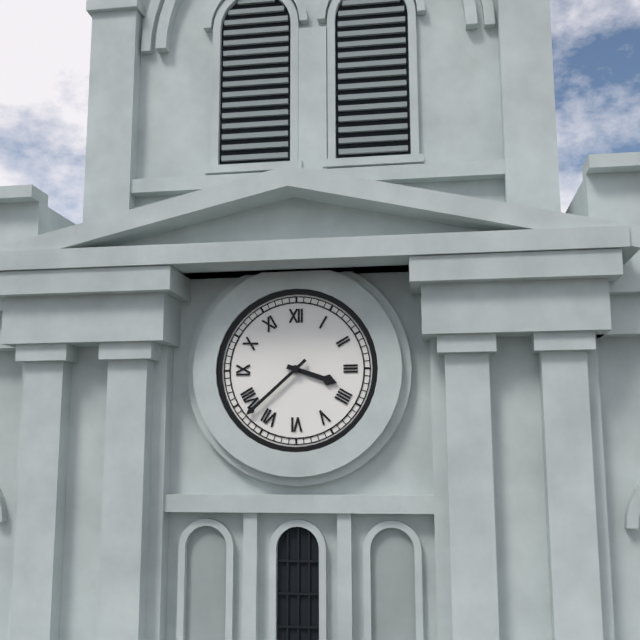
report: 3,38
